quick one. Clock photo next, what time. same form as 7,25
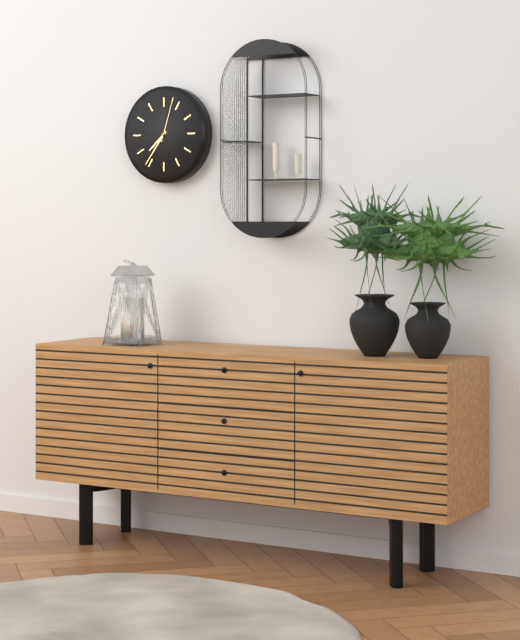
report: 7,36
